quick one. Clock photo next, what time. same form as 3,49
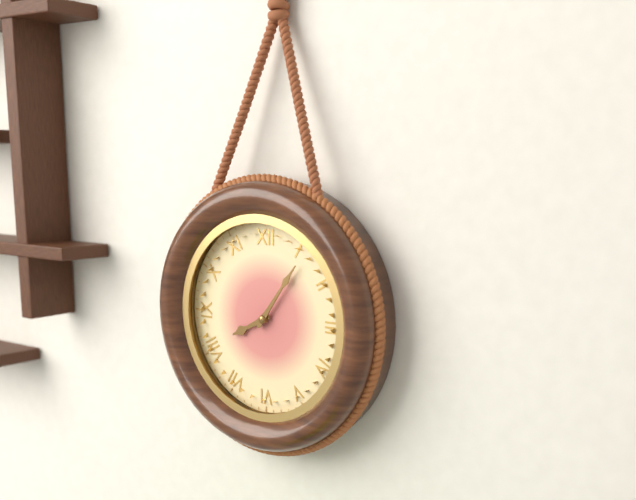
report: 8,06
